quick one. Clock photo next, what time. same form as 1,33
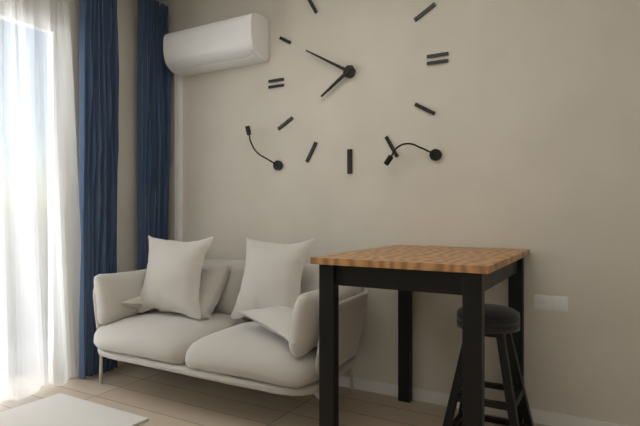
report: 7,50
